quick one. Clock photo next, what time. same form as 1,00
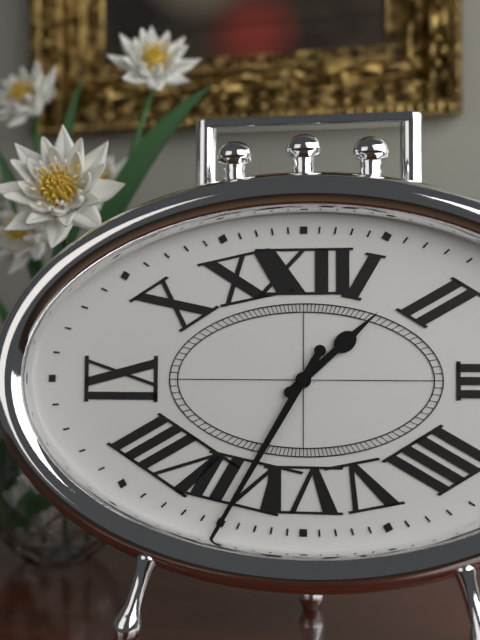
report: 1,35
